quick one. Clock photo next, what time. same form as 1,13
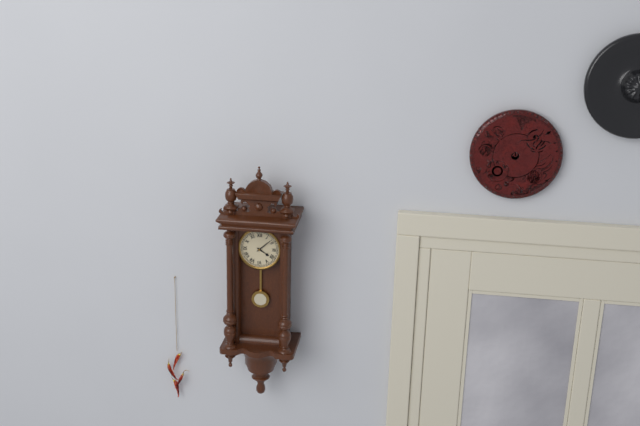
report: 4,08
